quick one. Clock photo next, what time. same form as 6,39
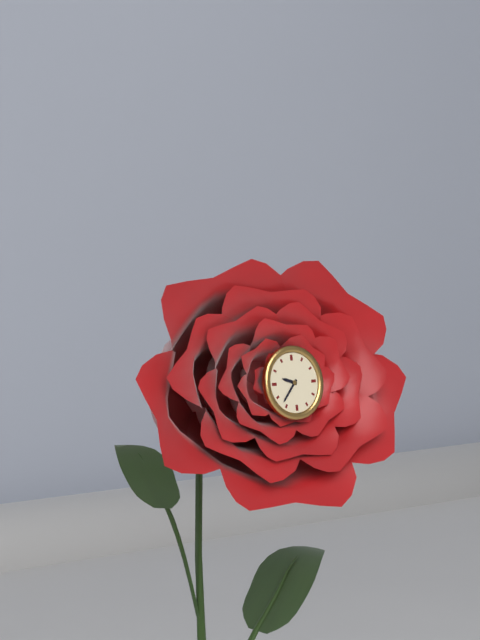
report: 9,37
